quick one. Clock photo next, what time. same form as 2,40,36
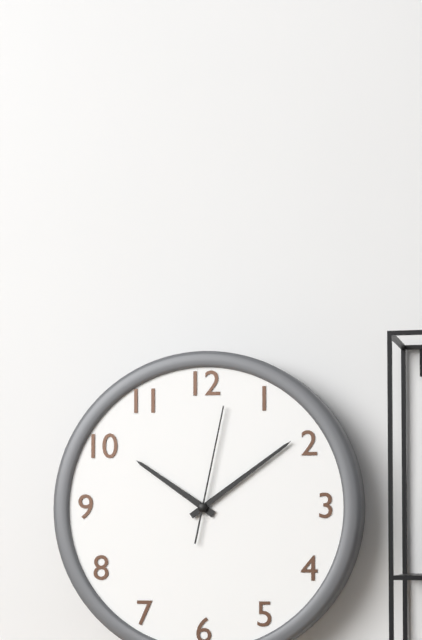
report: 10,09,02
